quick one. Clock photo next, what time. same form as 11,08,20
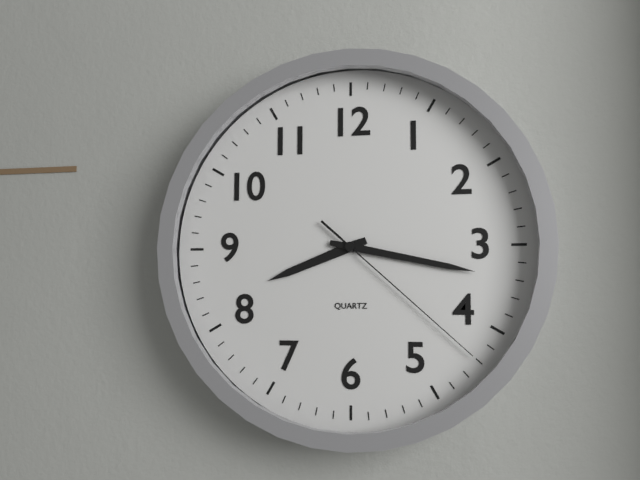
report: 8,17,22
